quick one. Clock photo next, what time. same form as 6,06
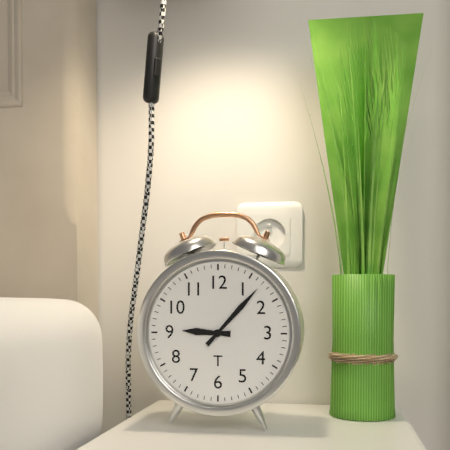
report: 9,07
